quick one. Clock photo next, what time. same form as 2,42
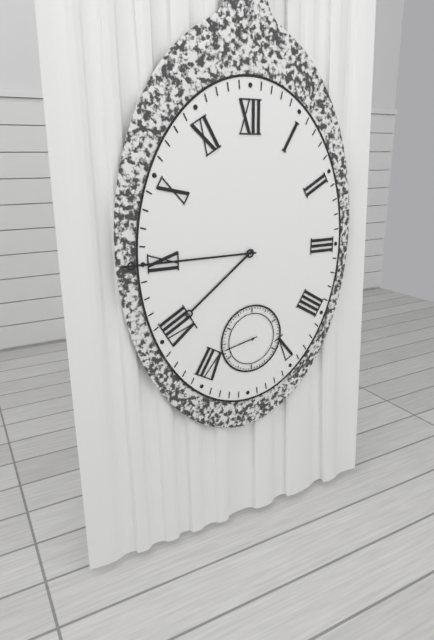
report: 7,45
